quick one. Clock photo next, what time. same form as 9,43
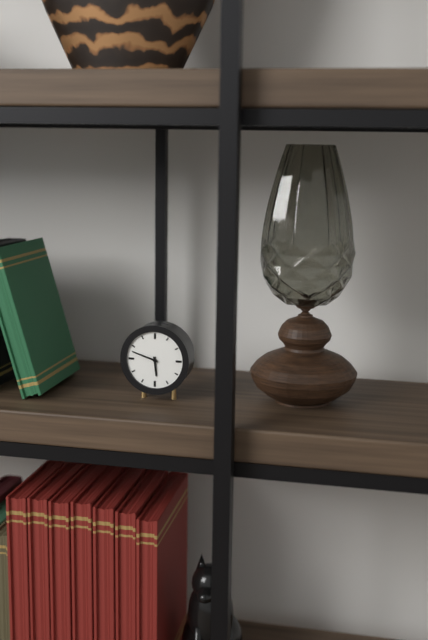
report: 5,48
